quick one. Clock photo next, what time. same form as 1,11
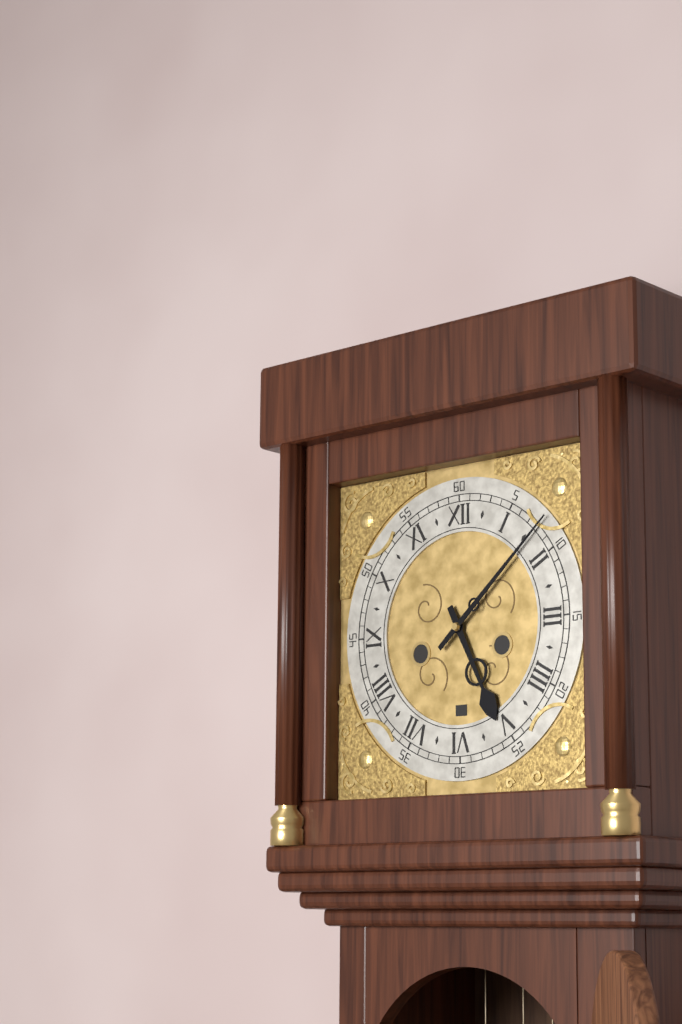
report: 5,08
